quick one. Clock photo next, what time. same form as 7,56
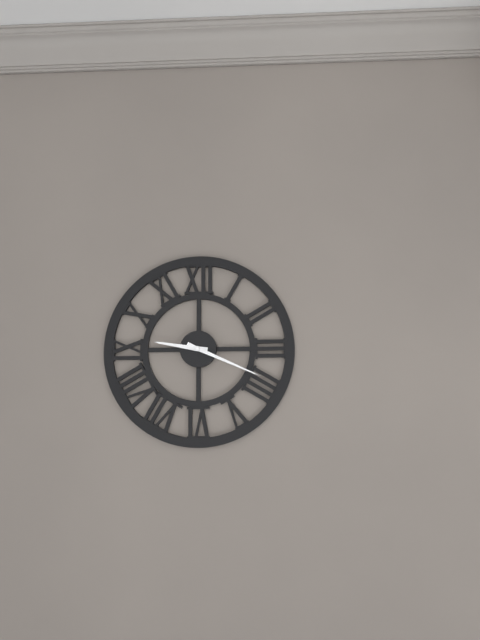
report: 9,19
